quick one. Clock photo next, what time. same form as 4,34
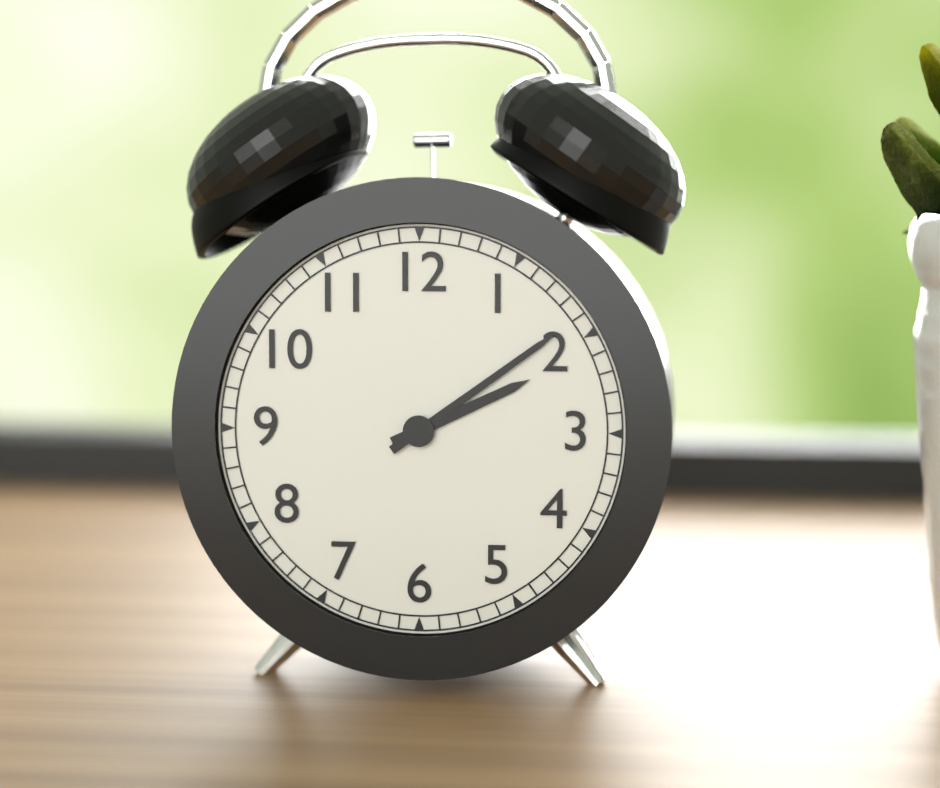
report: 2,09
